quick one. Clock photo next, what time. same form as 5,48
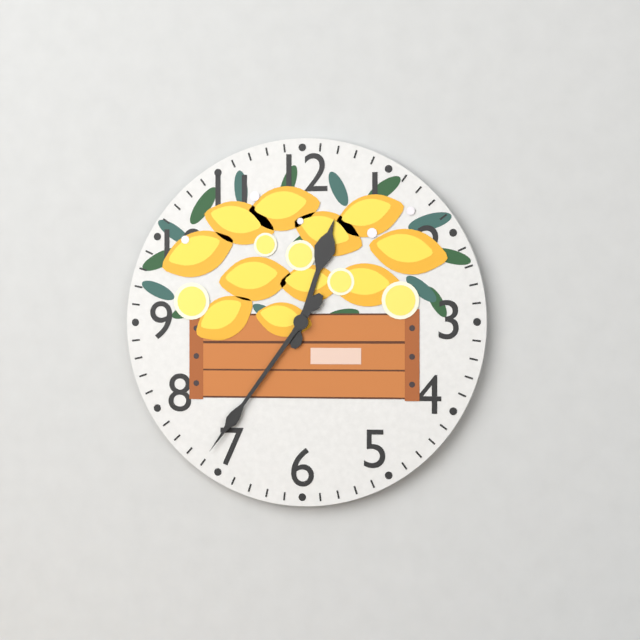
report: 12,36
